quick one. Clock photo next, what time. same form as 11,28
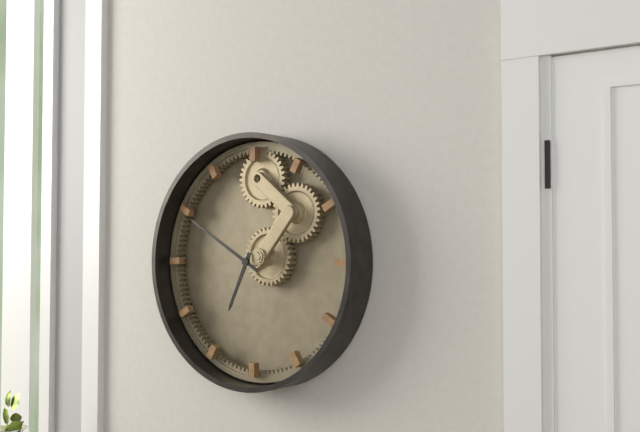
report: 6,50
